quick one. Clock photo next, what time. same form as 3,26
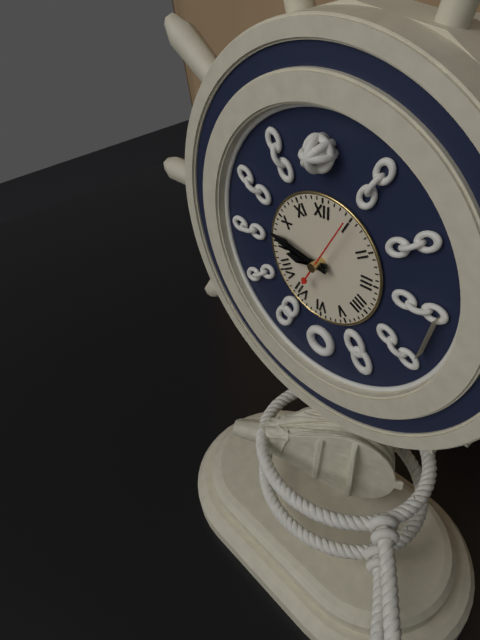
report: 8,47
